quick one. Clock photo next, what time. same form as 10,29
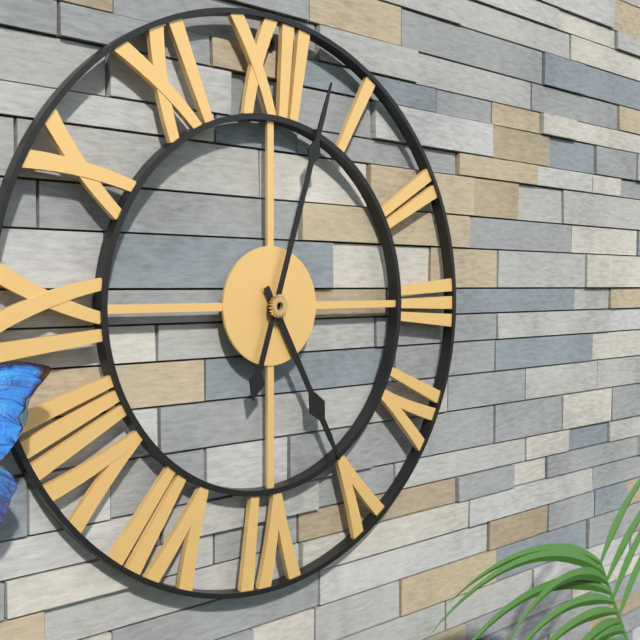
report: 5,03
